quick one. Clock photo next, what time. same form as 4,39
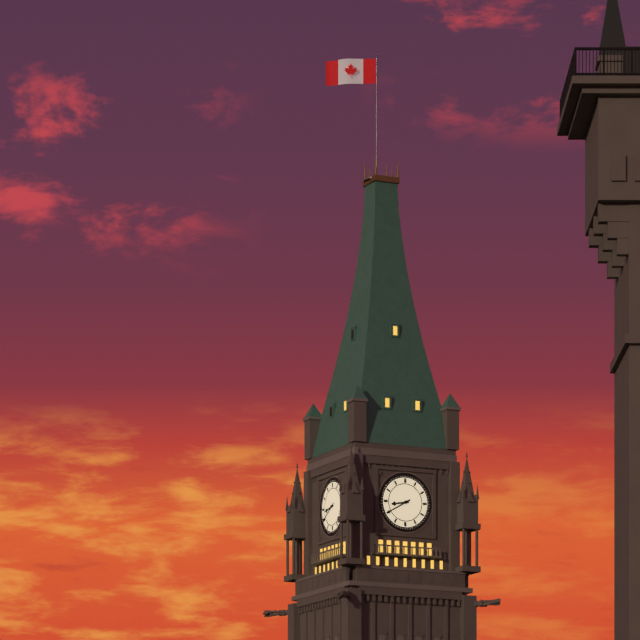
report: 8,40
